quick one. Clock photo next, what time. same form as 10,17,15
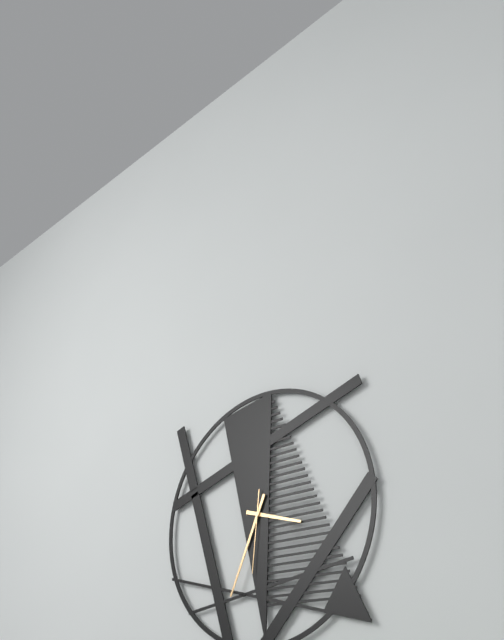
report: 3,34,31
